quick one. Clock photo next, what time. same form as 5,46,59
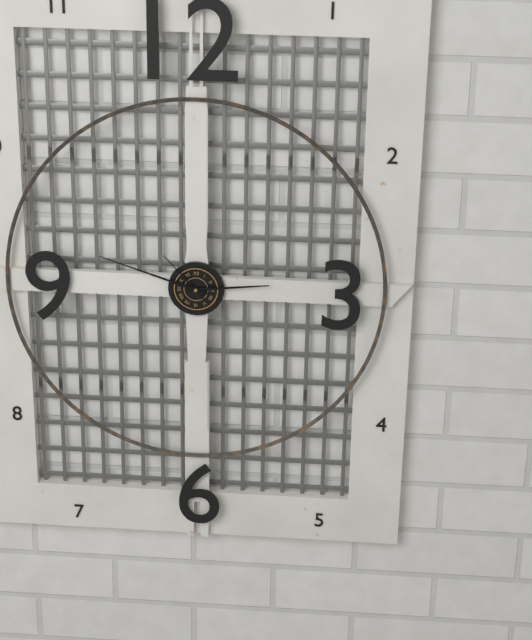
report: 2,48,53
